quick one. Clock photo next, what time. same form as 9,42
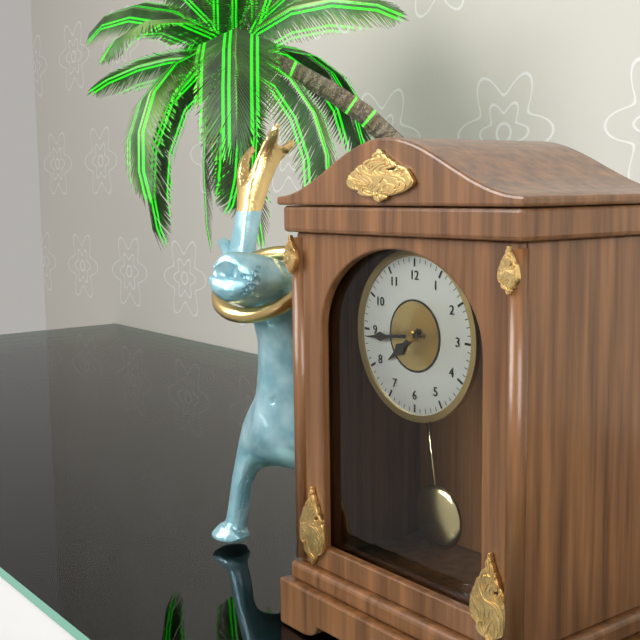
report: 7,44
